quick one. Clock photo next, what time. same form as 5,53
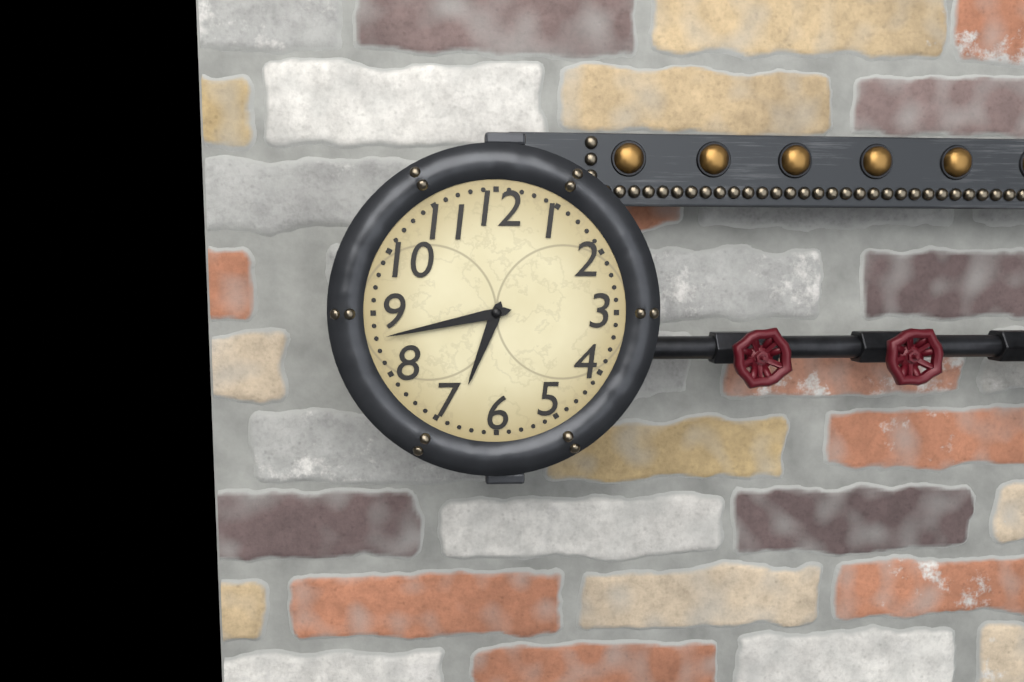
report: 6,43
